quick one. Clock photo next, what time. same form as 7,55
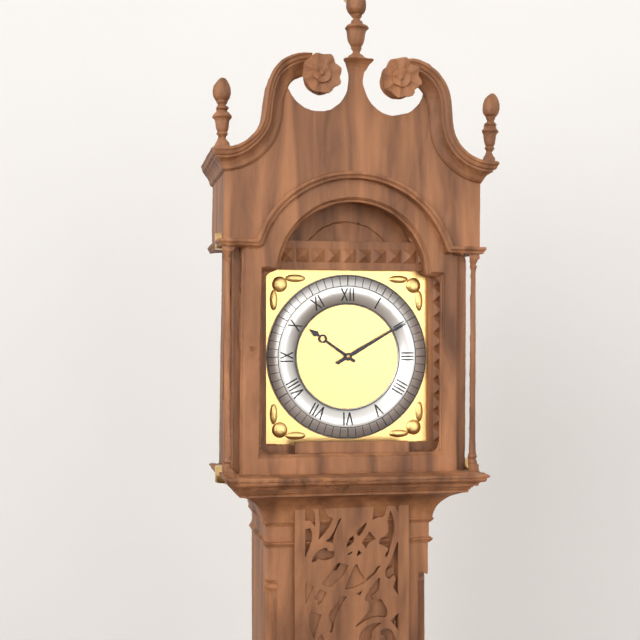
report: 10,10
